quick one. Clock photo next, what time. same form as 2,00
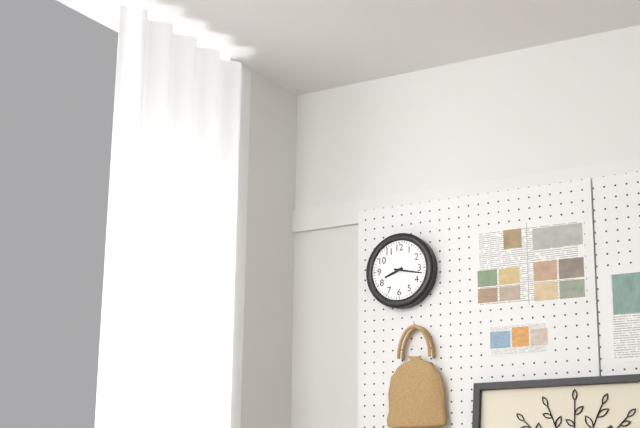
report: 8,17
